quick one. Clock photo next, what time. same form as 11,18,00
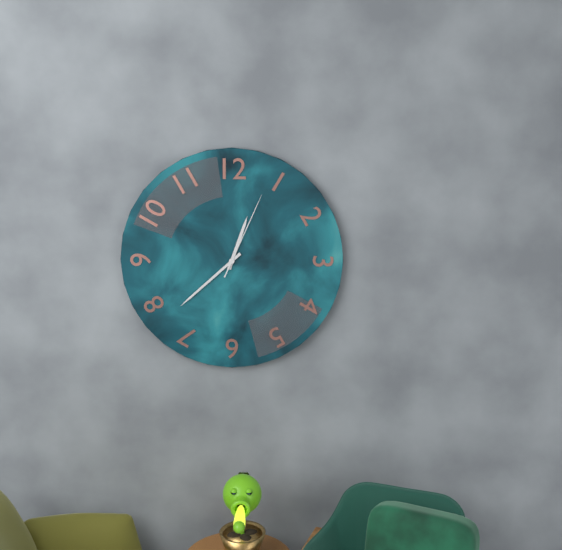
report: 12,38,04
